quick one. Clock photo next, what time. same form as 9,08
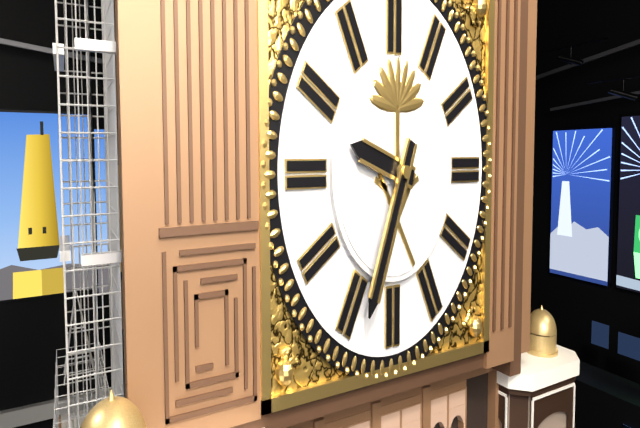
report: 9,34
